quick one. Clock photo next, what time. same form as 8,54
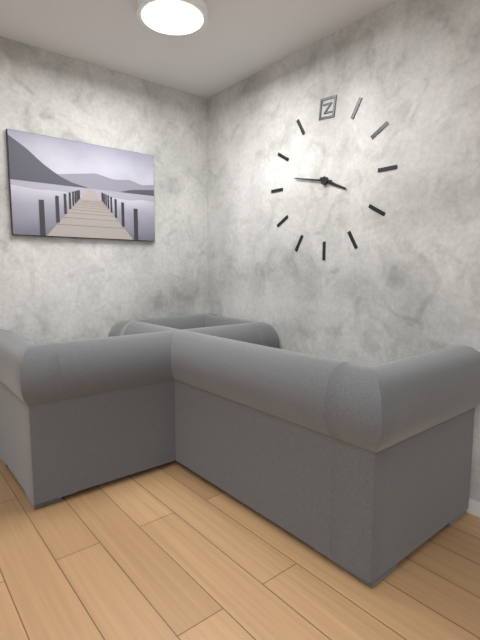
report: 3,47
